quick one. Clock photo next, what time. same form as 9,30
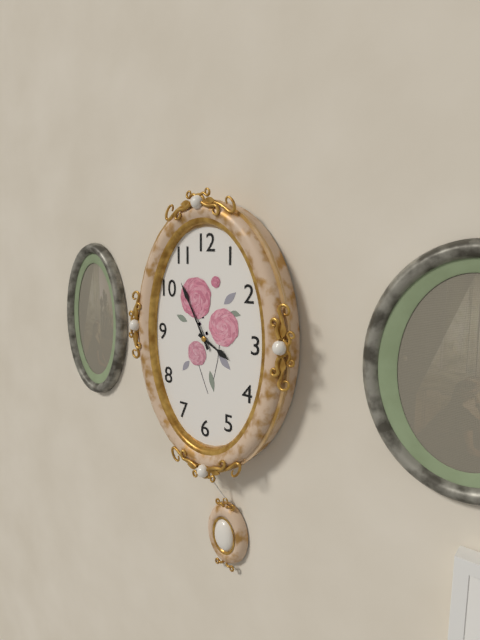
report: 3,55
